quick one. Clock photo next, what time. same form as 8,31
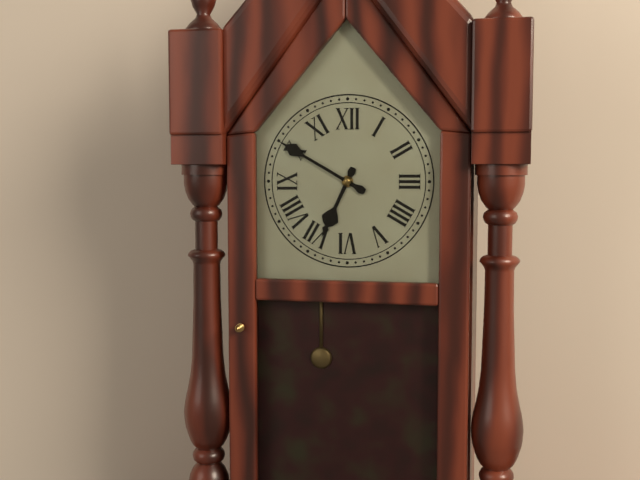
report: 6,50
